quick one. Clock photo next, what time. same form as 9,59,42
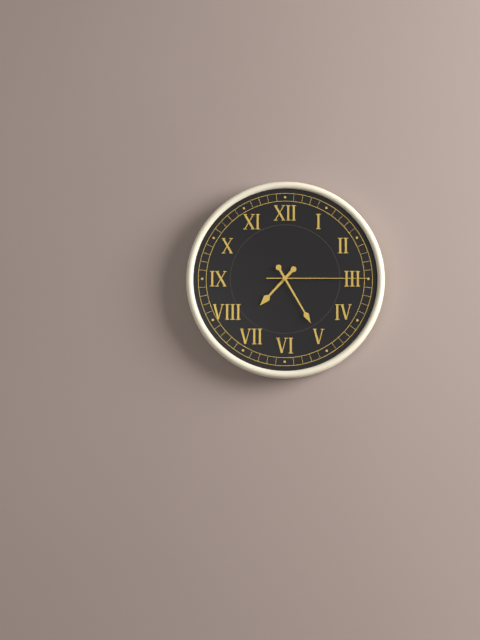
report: 7,25,15
